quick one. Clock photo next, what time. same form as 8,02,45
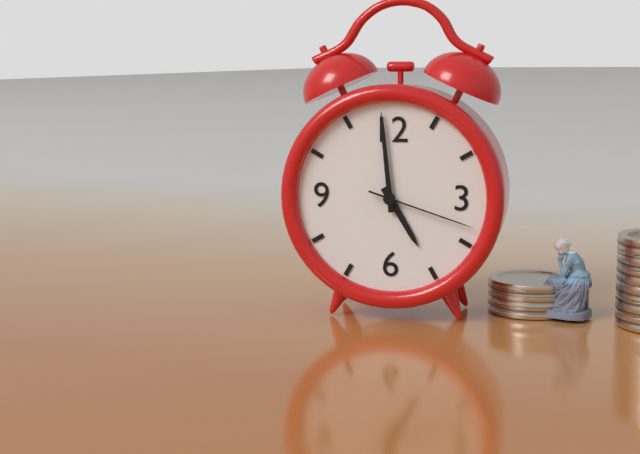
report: 4,59,18
